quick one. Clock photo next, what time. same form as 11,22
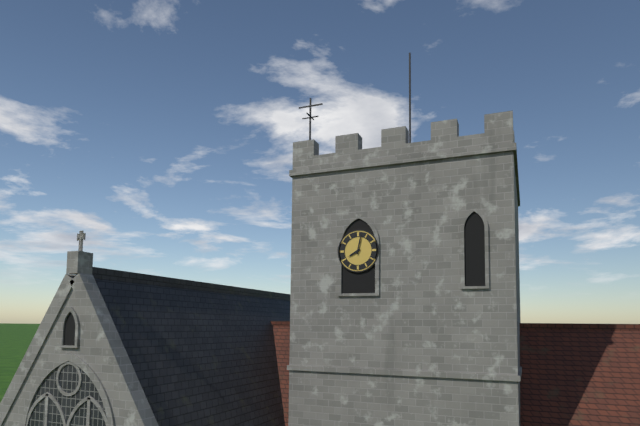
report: 8,02
